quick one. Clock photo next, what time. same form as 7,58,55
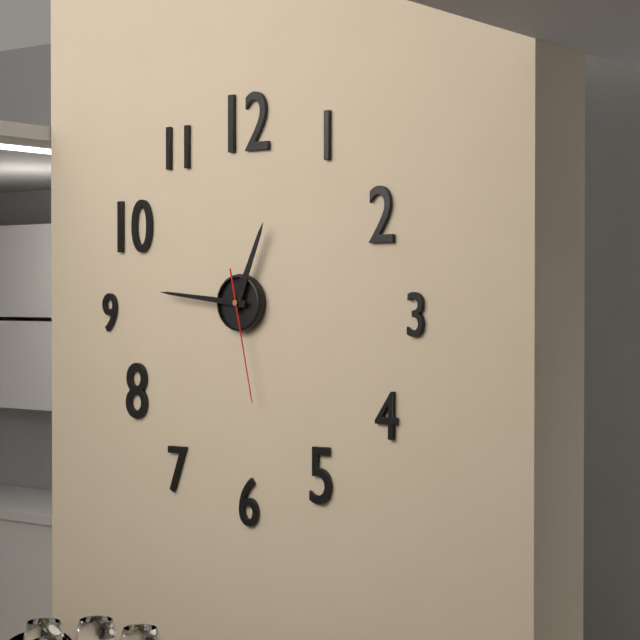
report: 12,46,28
